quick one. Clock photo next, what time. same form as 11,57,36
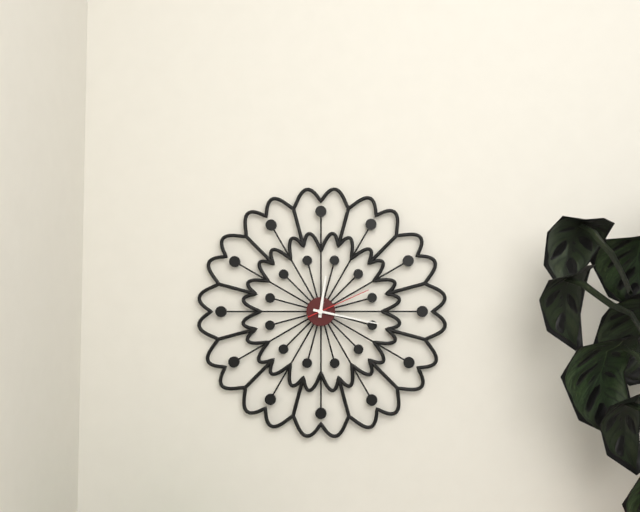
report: 12,17,11
